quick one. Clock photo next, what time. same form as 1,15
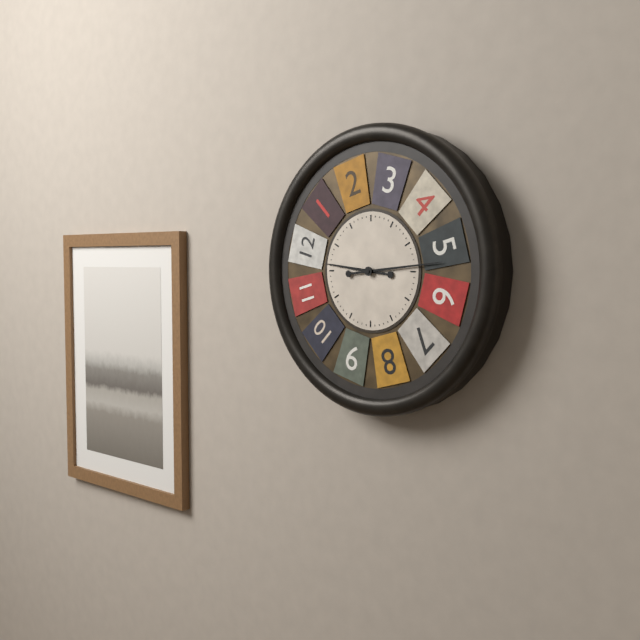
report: 9,14
